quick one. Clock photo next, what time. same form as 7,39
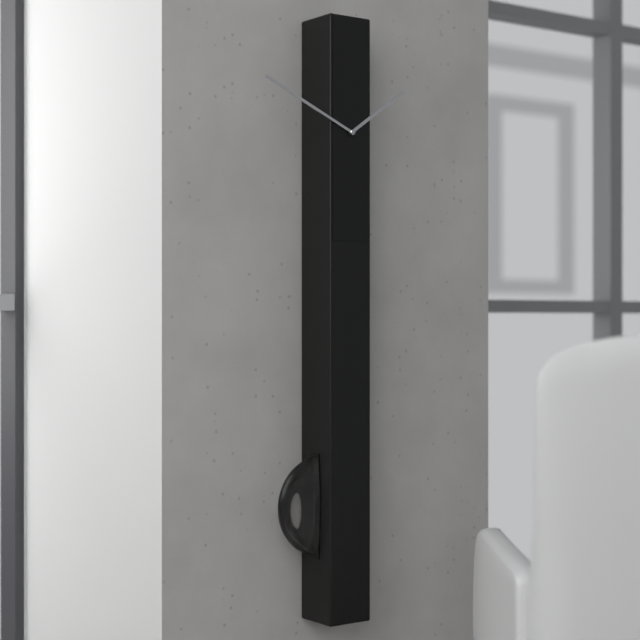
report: 1,49
